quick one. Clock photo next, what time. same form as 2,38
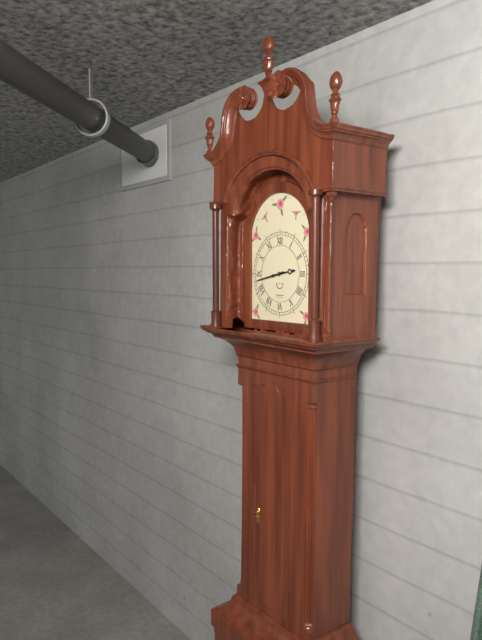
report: 2,43
